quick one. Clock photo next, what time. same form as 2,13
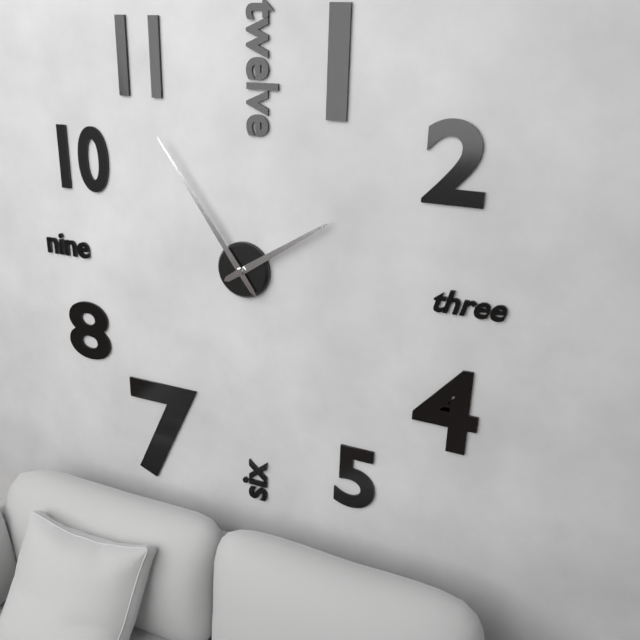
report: 1,54
